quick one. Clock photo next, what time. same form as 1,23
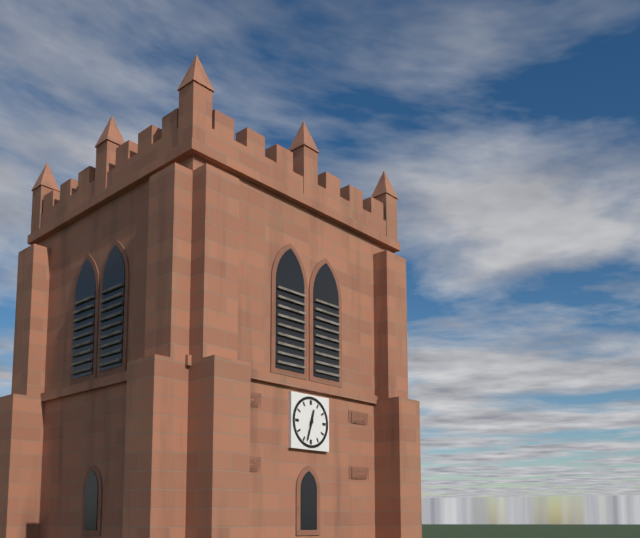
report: 12,33
